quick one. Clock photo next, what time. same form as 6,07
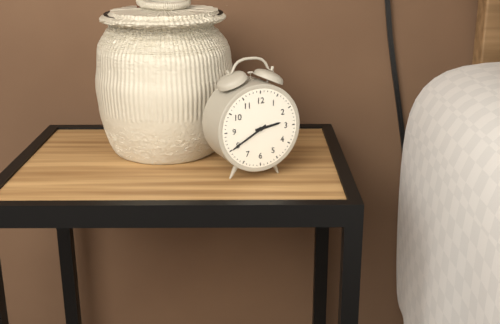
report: 2,40
